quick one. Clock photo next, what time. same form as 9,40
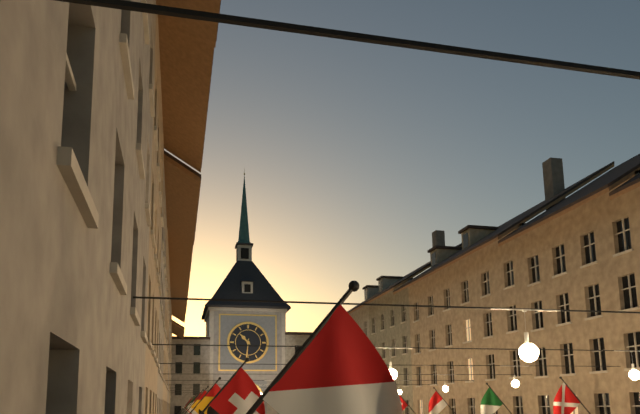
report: 10,31
